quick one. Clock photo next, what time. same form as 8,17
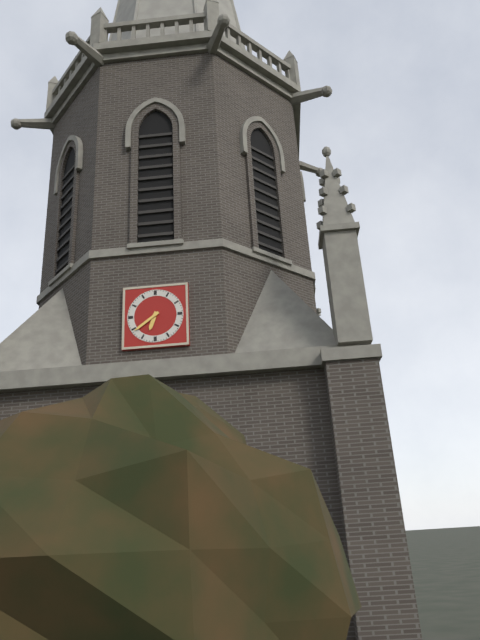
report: 6,39
